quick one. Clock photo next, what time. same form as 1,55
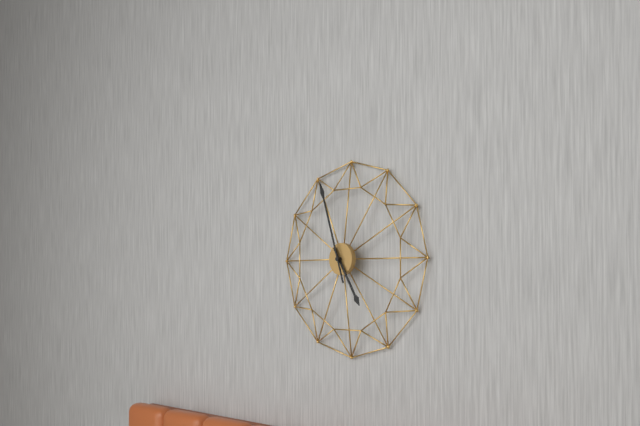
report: 4,57
